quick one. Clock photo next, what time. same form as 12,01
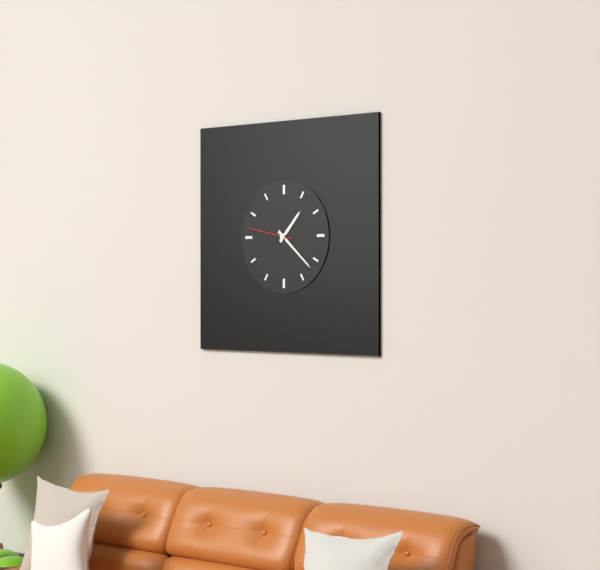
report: 1,22
